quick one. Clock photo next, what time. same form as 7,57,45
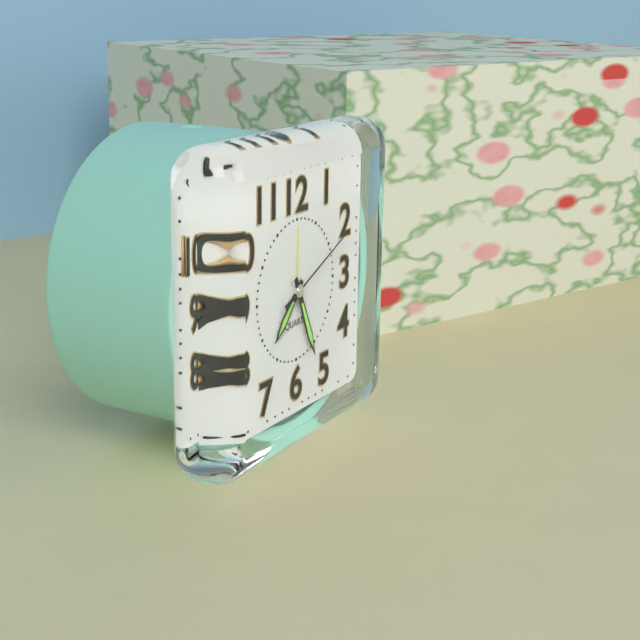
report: 7,26,11
